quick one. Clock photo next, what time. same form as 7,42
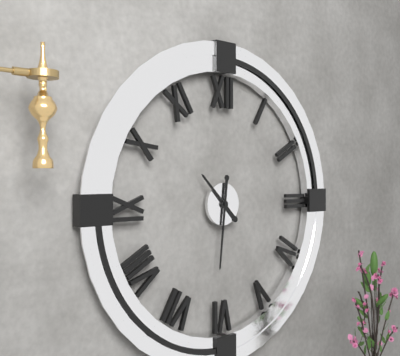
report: 10,31
